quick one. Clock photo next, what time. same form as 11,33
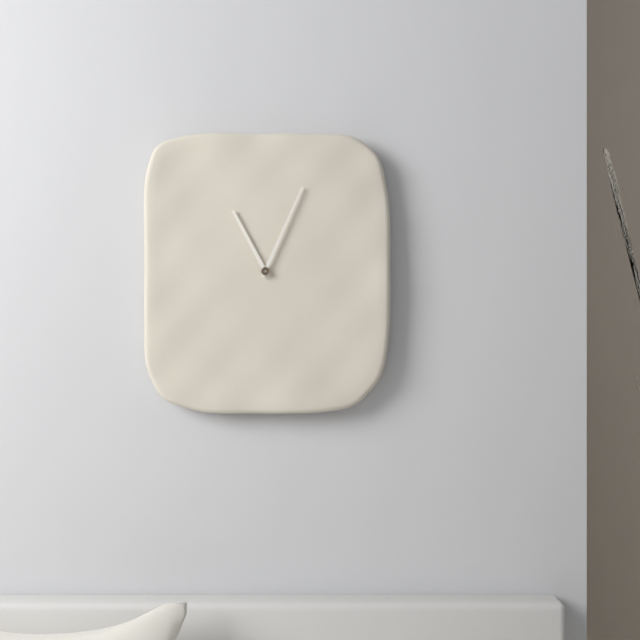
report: 11,04
